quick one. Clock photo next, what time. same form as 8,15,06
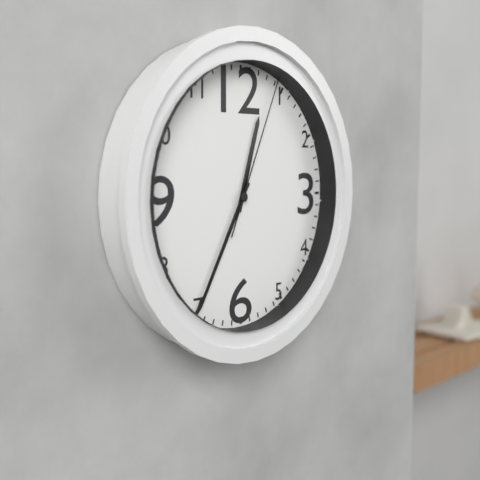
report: 12,35,04
